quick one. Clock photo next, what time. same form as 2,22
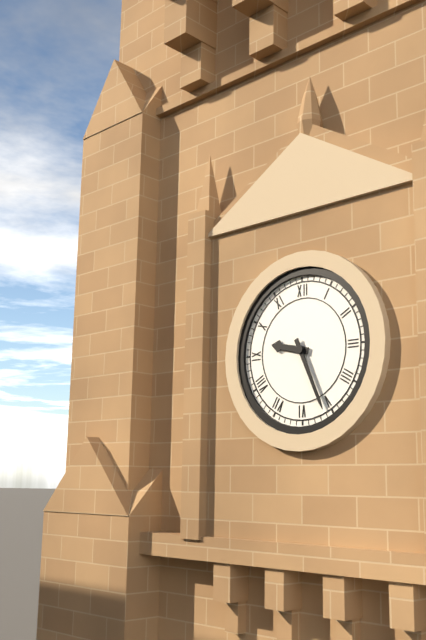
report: 9,26
